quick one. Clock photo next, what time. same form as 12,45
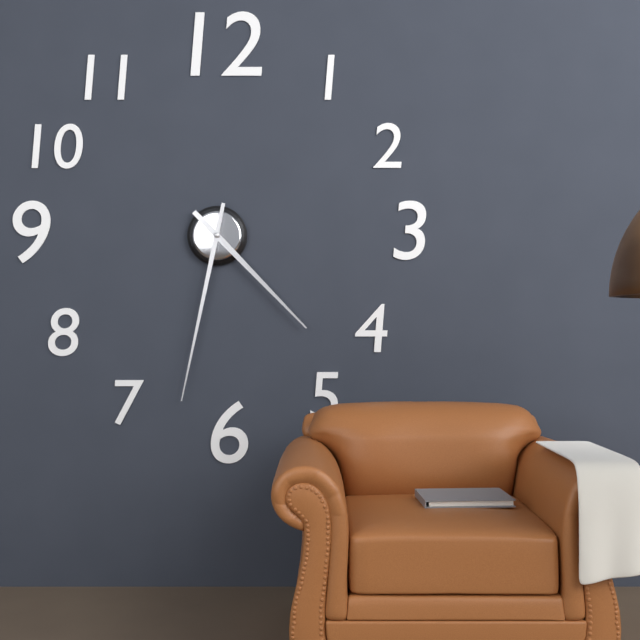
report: 4,32
